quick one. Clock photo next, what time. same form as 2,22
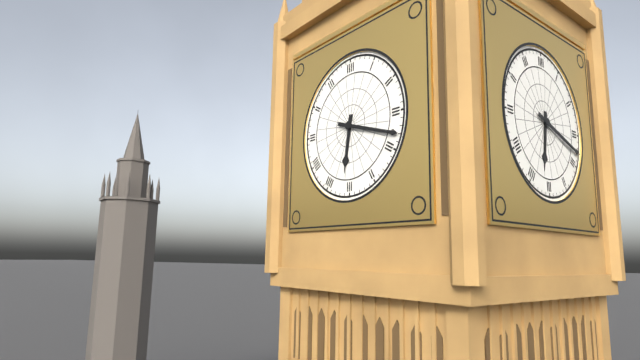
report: 6,18
